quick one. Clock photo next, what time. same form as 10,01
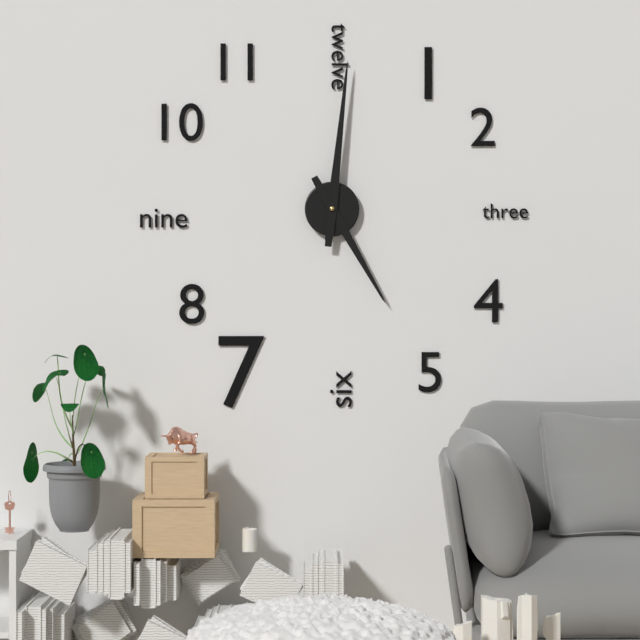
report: 5,01
